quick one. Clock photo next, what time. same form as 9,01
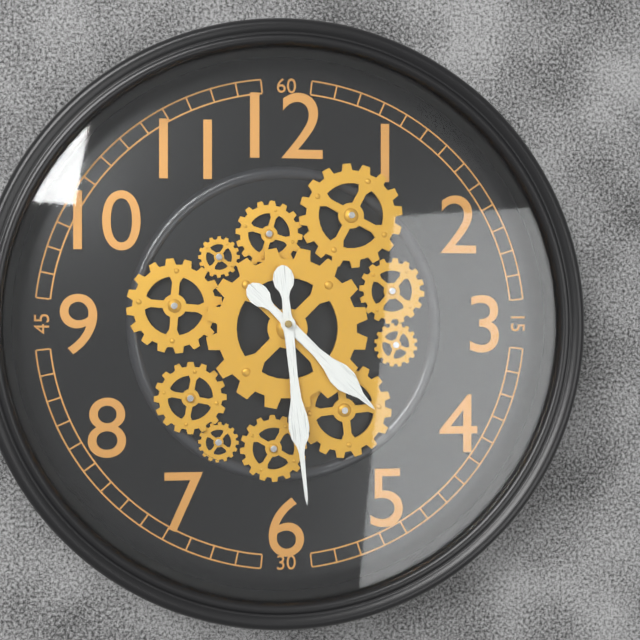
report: 4,29
